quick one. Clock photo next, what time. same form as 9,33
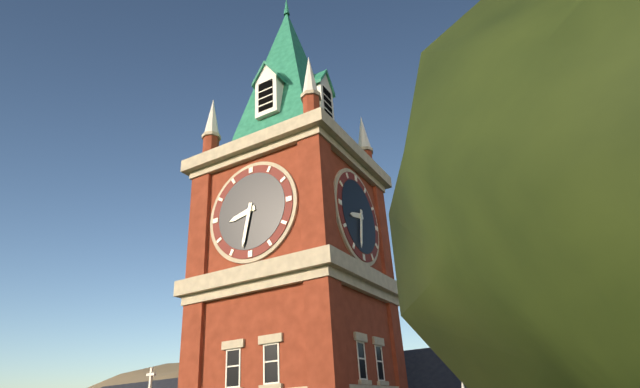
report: 8,32
